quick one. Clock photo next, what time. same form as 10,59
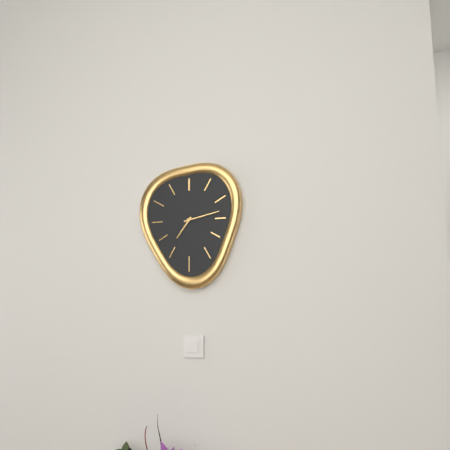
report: 7,13
